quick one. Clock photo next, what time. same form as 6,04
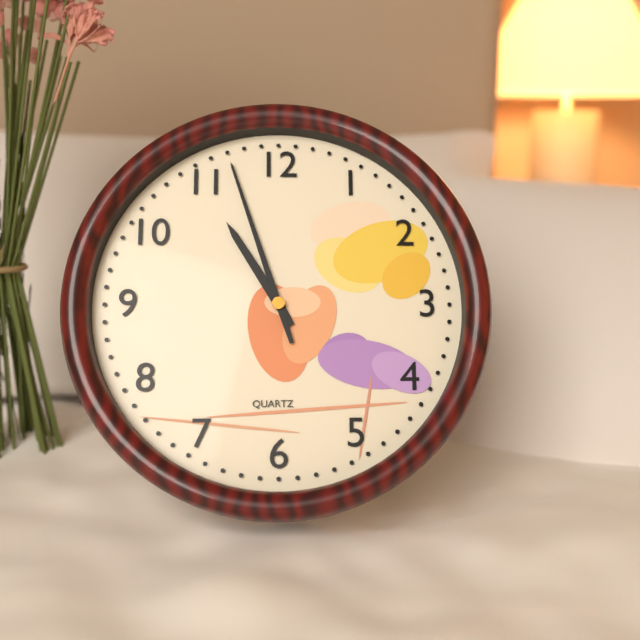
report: 10,57
